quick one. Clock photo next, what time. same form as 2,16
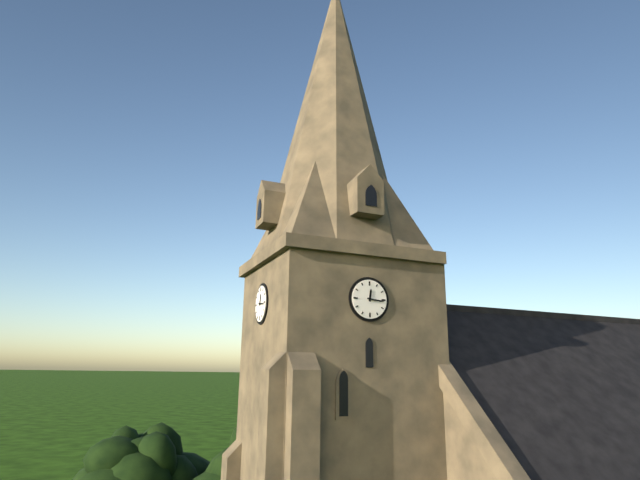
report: 12,16
